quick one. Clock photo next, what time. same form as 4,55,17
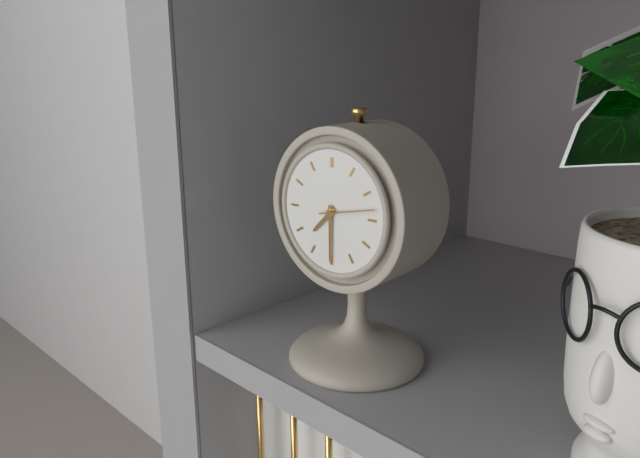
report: 7,30,13
